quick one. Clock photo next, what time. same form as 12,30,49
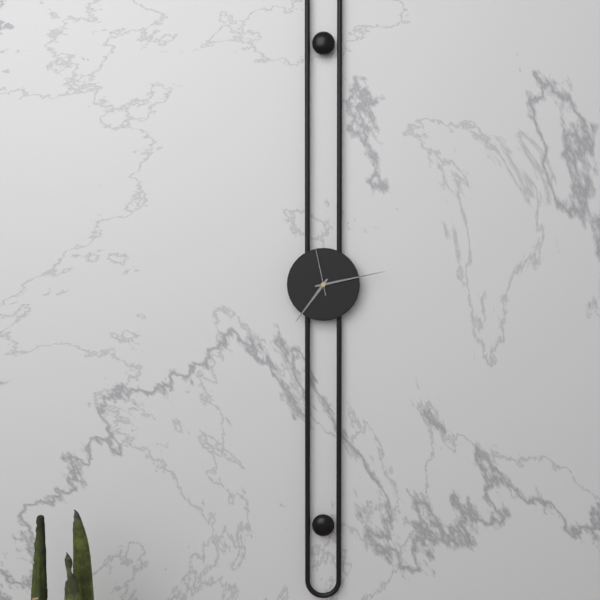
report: 7,13,58
